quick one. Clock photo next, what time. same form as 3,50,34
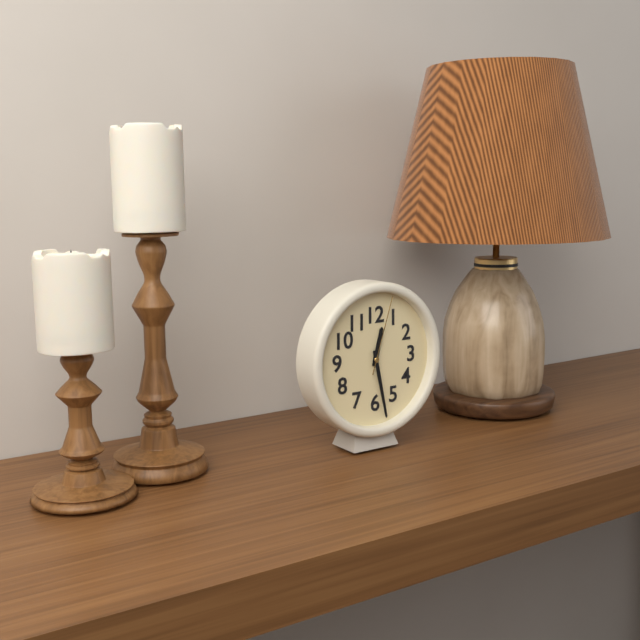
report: 12,28,03
